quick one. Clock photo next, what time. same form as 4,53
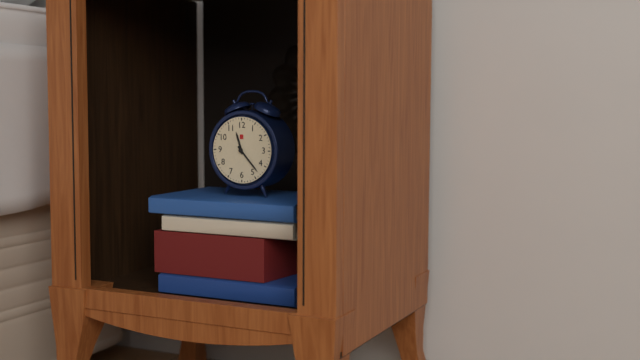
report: 11,23
